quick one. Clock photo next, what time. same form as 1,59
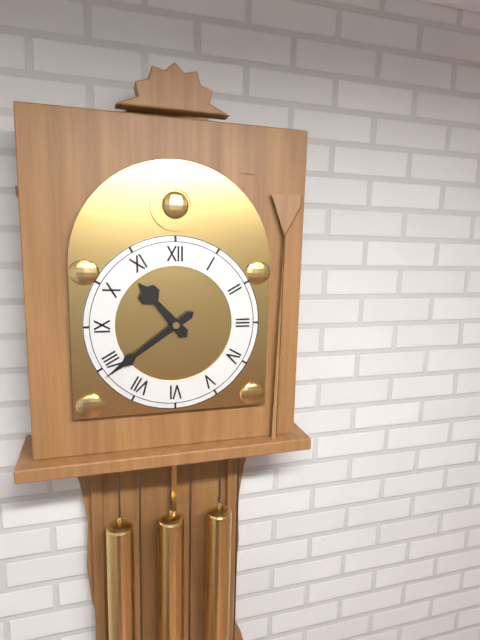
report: 10,39
